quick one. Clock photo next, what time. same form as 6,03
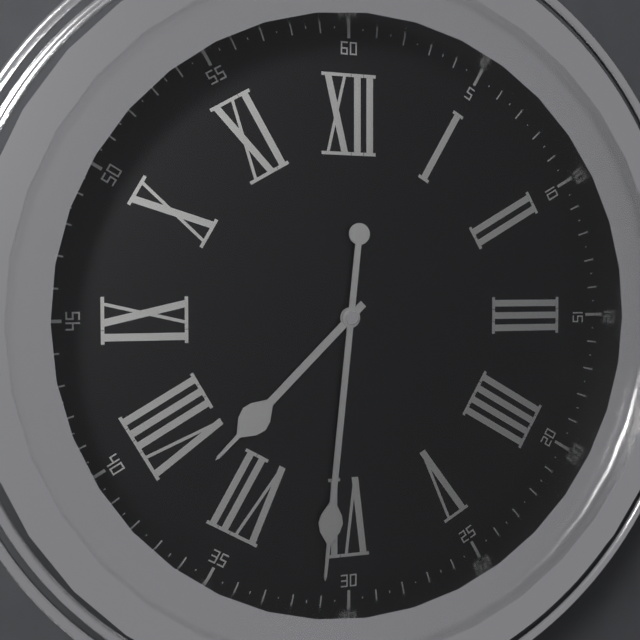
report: 7,31
